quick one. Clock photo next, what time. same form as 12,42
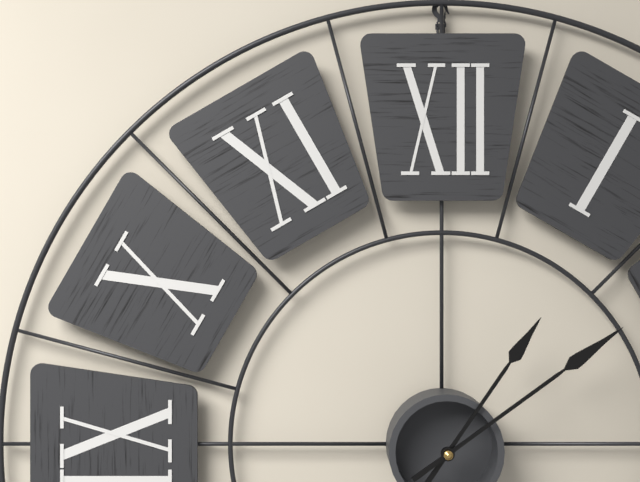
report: 1,09
